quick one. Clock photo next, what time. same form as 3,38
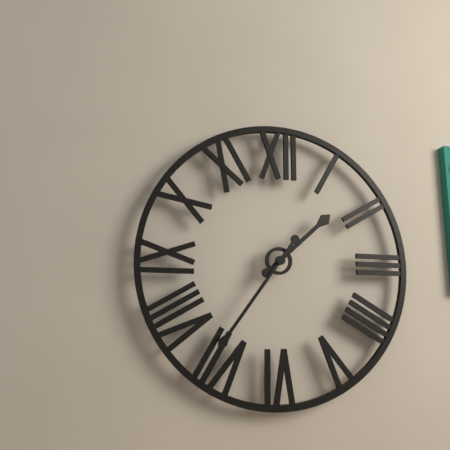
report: 1,36
